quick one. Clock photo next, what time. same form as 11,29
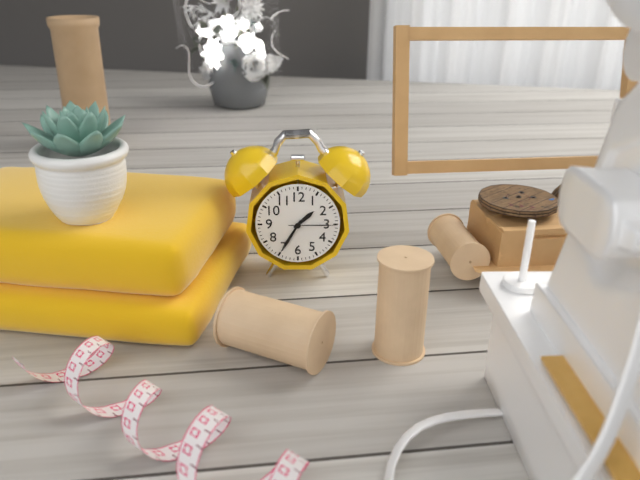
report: 1,35
